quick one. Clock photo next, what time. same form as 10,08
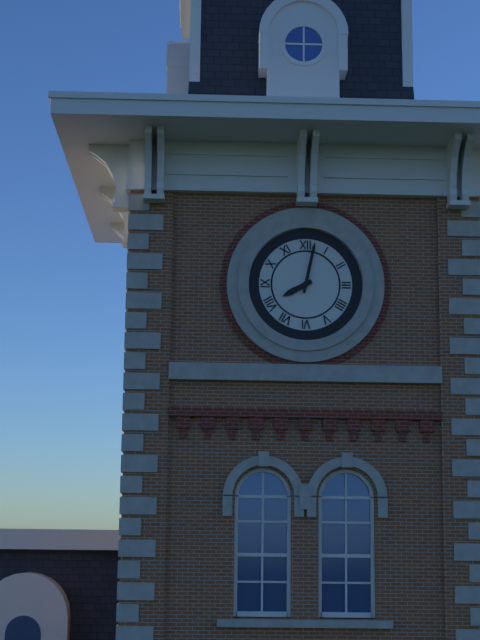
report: 8,02
